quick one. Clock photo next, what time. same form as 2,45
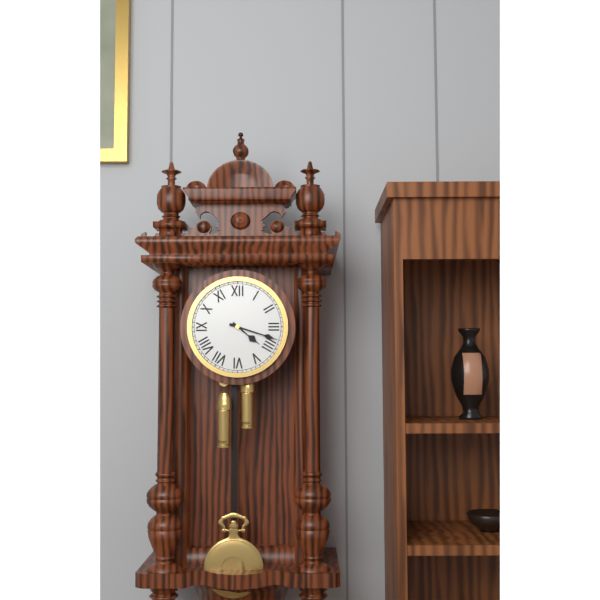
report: 4,18
